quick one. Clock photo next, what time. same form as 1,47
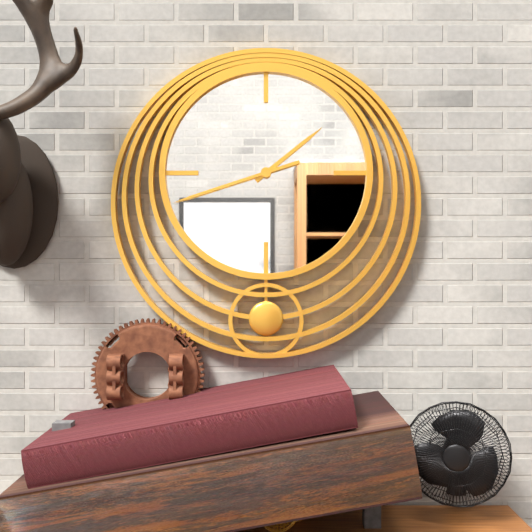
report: 1,42
